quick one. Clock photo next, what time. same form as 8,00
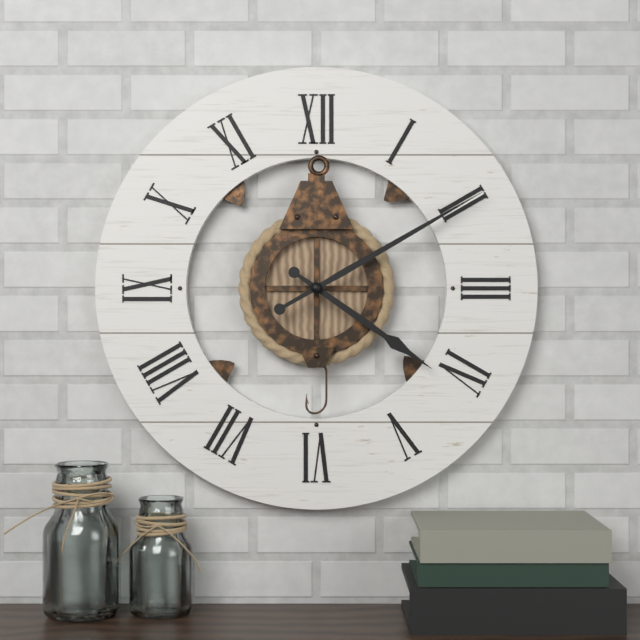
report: 4,10
